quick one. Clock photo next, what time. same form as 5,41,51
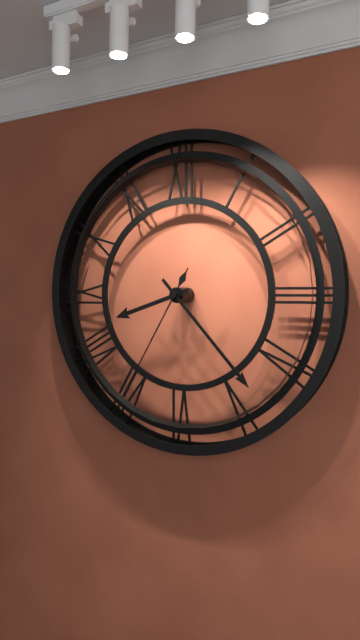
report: 8,23,35
